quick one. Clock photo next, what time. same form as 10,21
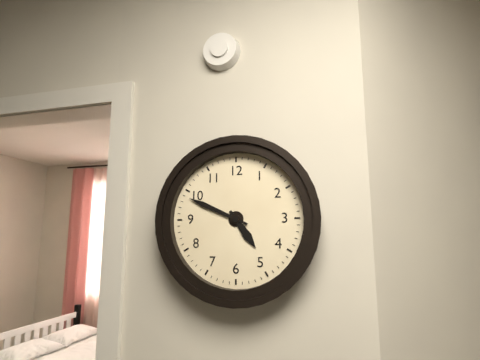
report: 4,49
